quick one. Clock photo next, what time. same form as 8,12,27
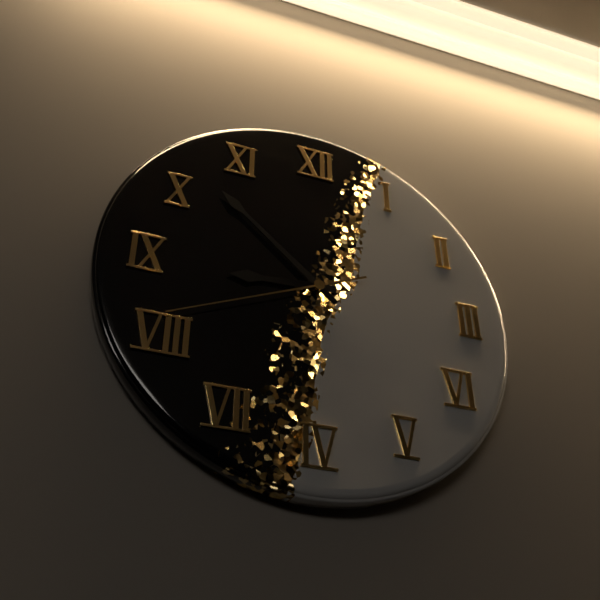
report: 8,52,41
